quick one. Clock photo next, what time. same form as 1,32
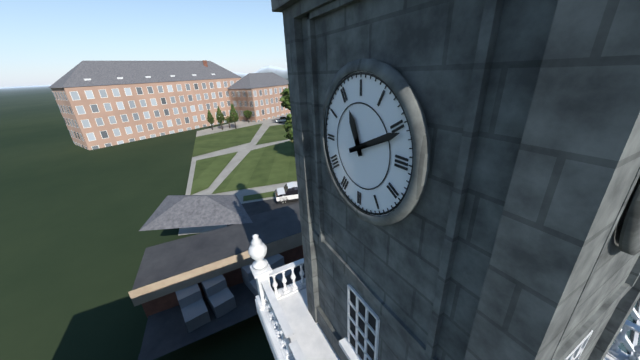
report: 11,11
